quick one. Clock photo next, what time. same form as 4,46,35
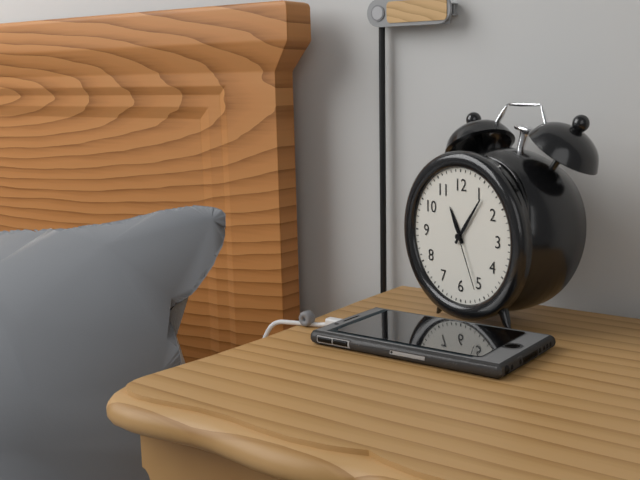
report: 11,06,26
